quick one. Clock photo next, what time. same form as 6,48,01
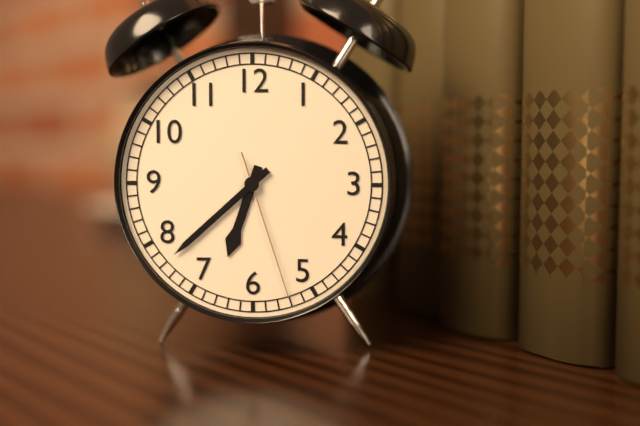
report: 6,38,27
